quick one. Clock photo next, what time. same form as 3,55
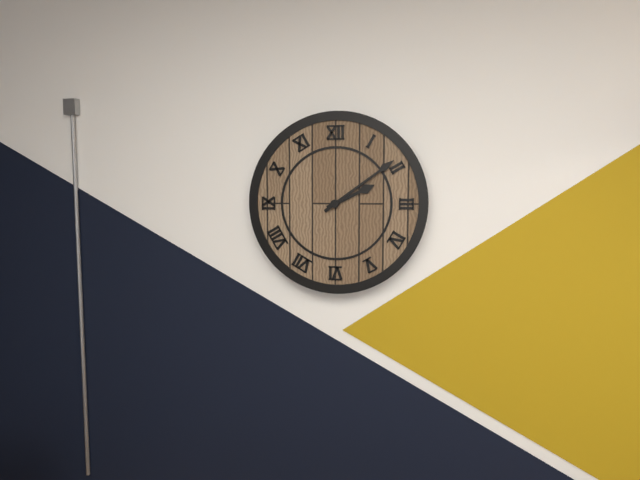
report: 2,09
